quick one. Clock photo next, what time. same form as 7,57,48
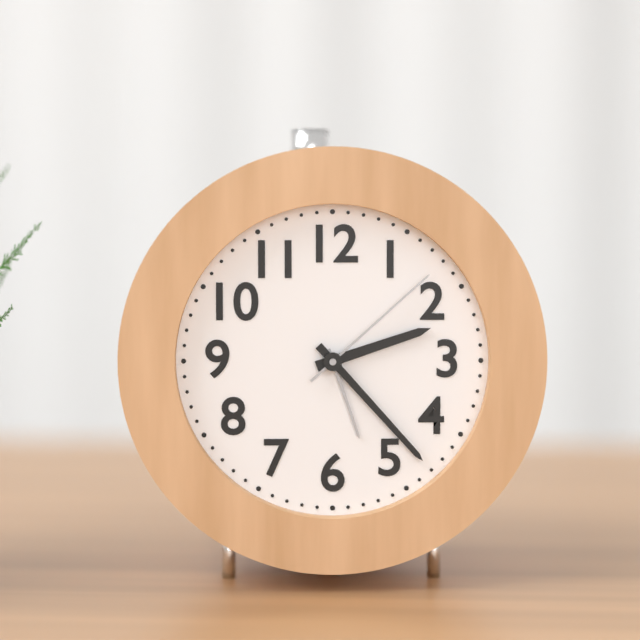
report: 2,23,08
